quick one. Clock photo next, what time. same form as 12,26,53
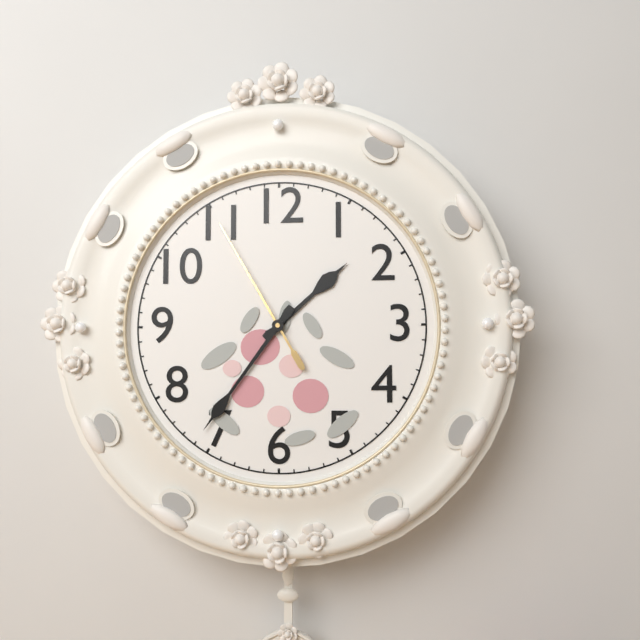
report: 1,36,55
